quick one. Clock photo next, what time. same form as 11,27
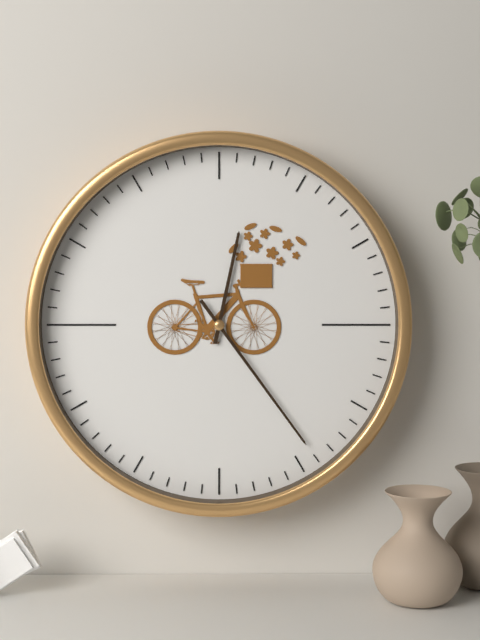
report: 12,24
